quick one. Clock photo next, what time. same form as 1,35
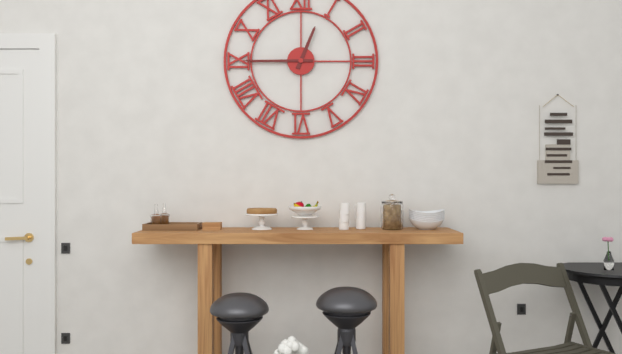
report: 12,45
